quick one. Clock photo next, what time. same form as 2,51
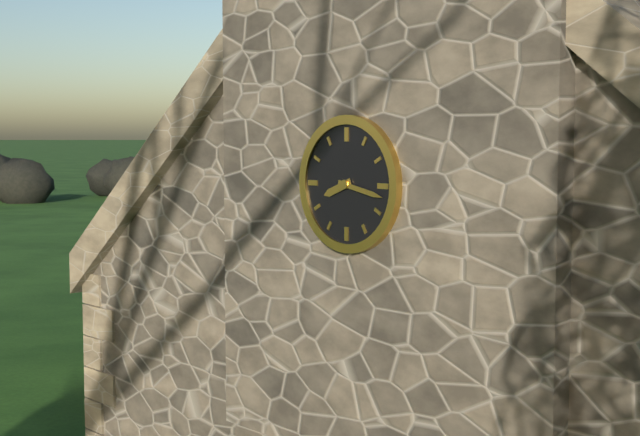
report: 8,17
